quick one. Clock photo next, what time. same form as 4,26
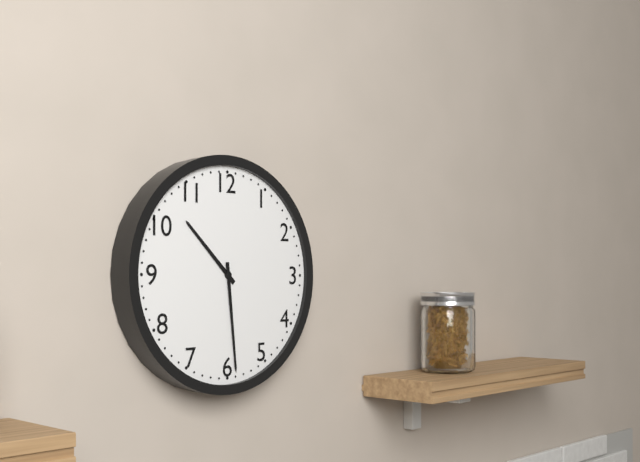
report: 10,29
